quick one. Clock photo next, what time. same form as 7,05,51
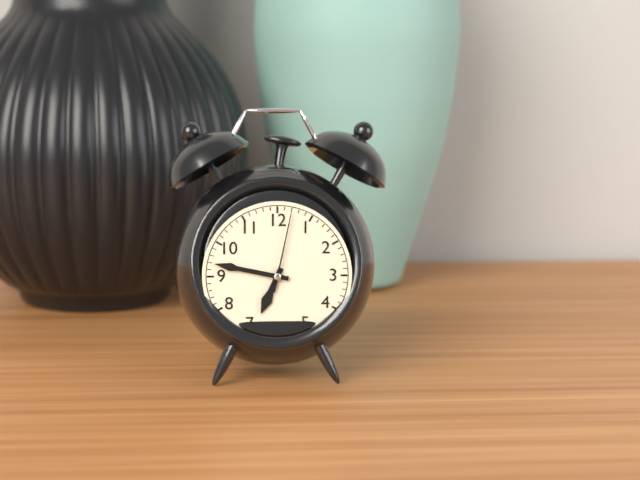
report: 6,47,02
